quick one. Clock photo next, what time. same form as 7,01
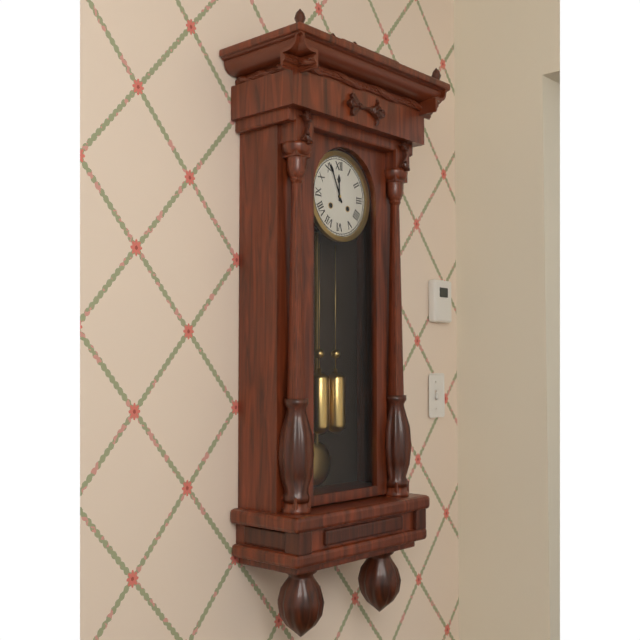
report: 11,56
